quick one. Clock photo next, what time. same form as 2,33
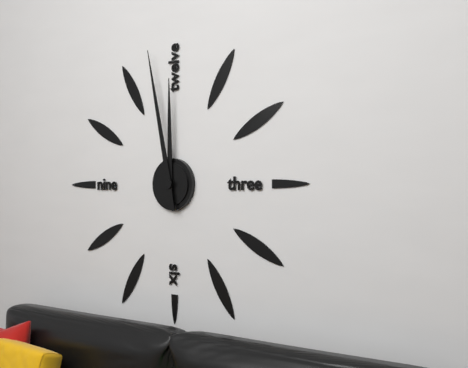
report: 11,58
